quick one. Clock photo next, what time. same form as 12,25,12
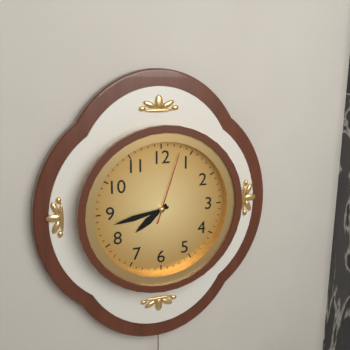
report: 7,43,03
